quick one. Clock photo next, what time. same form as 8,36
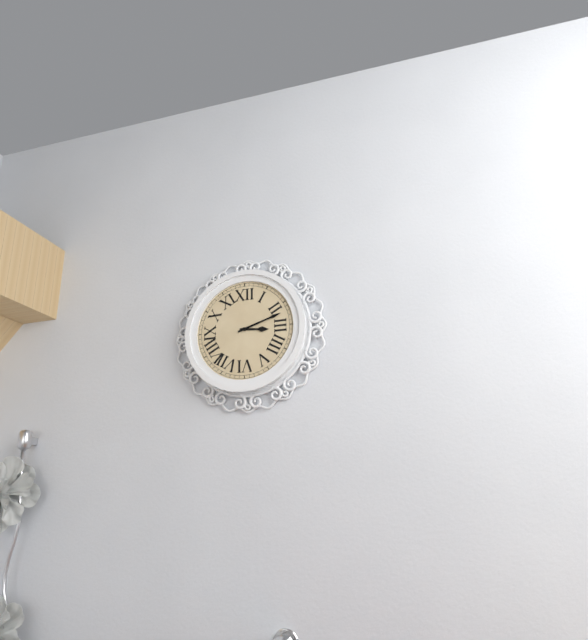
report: 3,12
